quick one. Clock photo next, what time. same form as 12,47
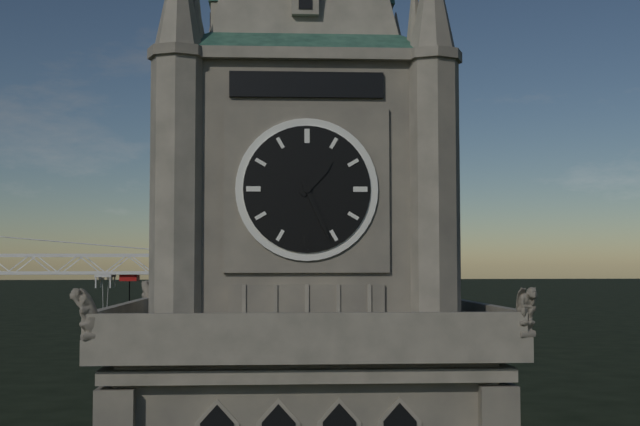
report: 1,26
